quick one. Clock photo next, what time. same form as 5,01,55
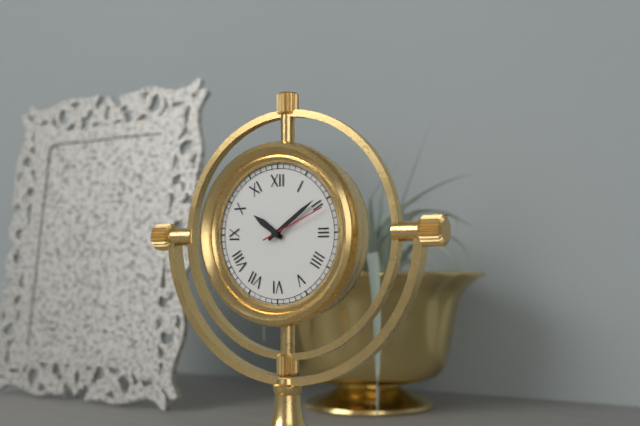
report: 10,09,11
